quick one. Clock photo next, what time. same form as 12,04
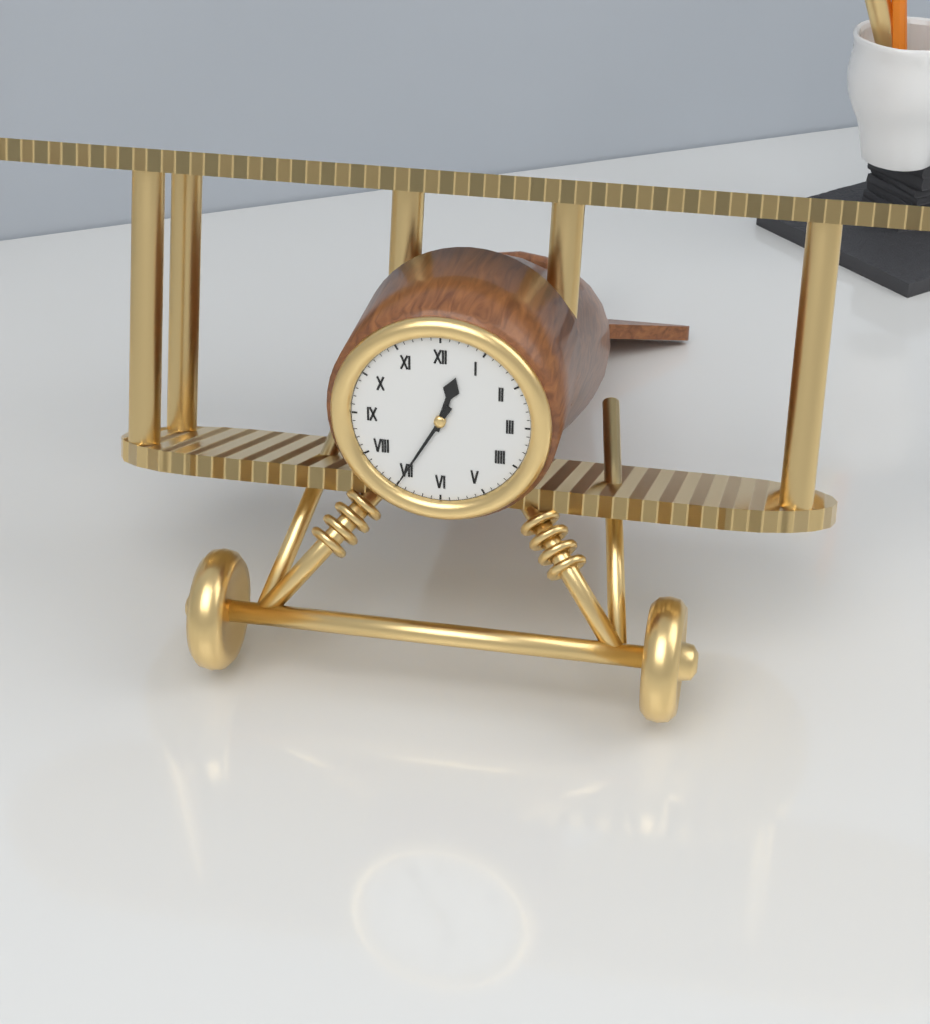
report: 12,35
